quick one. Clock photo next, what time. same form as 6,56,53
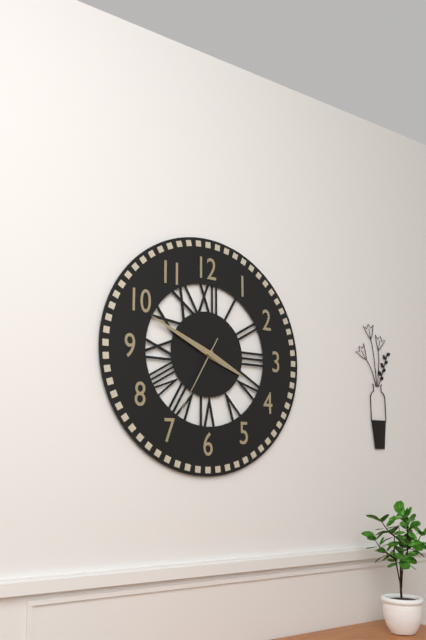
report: 3,49,35
